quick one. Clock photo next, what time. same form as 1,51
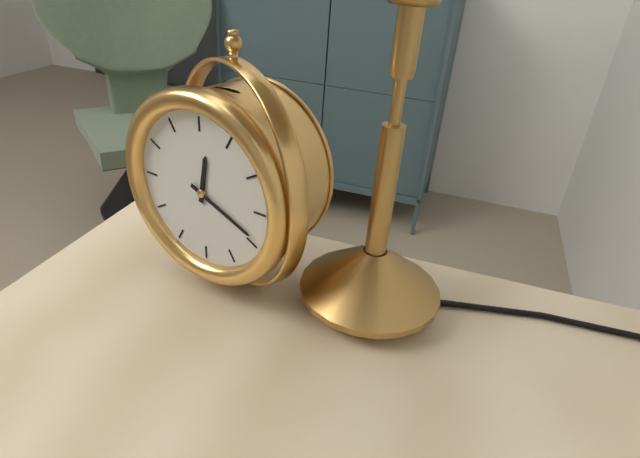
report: 12,19
